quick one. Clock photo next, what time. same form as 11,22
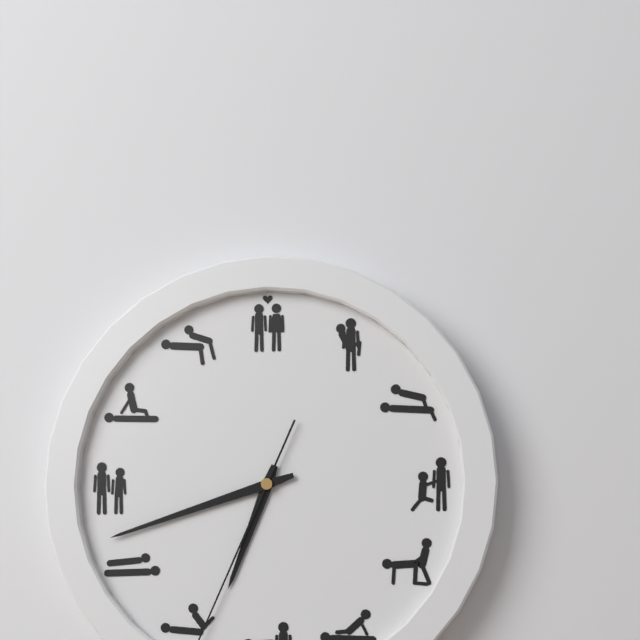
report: 6,42
